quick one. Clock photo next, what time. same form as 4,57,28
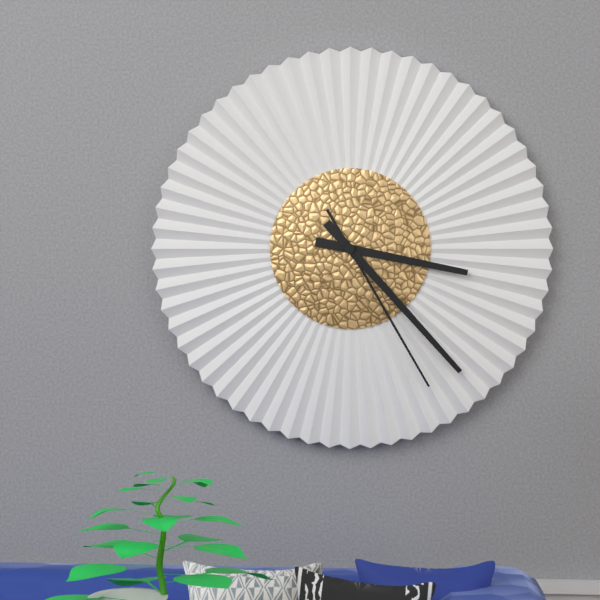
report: 3,23,25
